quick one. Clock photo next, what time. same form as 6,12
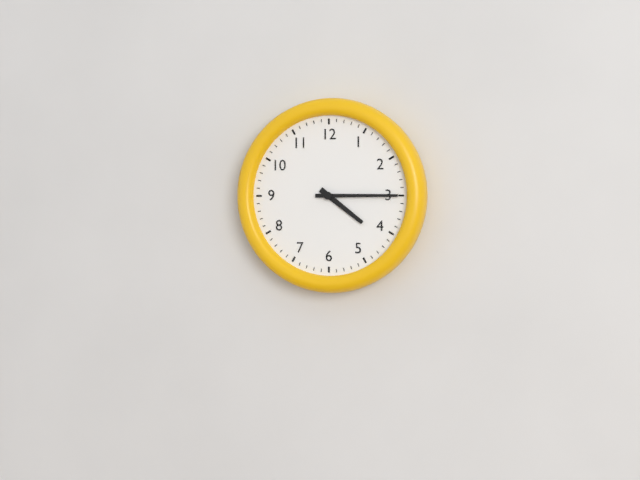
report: 4,15
